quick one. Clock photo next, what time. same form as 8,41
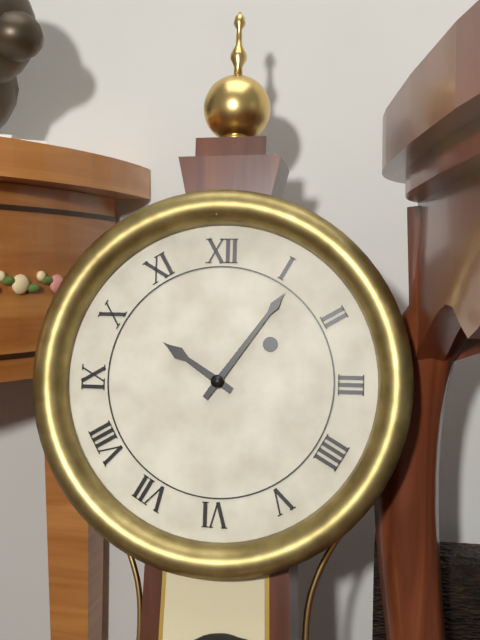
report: 10,06
